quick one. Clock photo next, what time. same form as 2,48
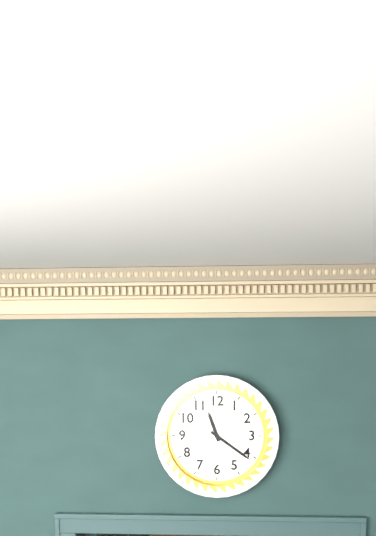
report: 11,21
